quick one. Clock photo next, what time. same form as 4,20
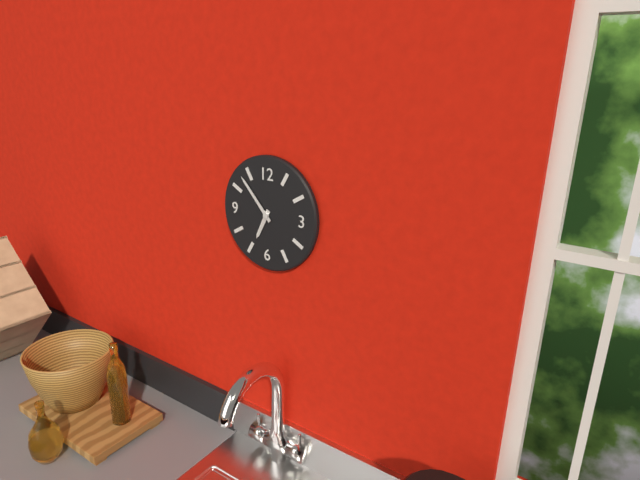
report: 6,53
